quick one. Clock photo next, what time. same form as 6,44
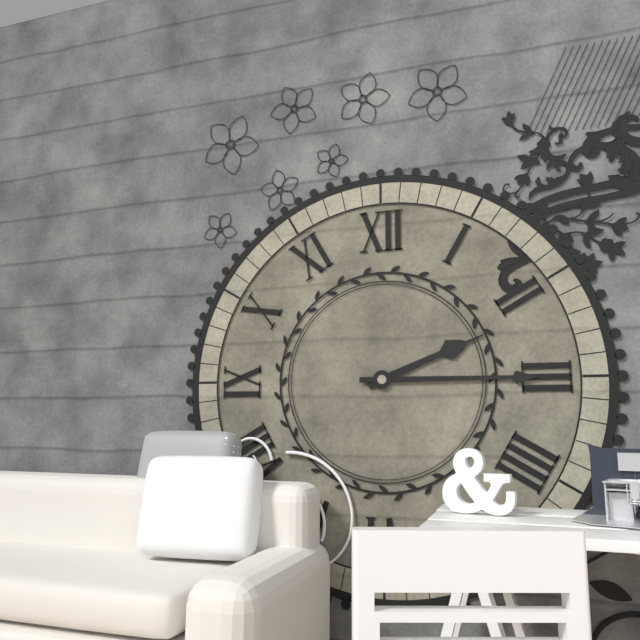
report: 2,15
